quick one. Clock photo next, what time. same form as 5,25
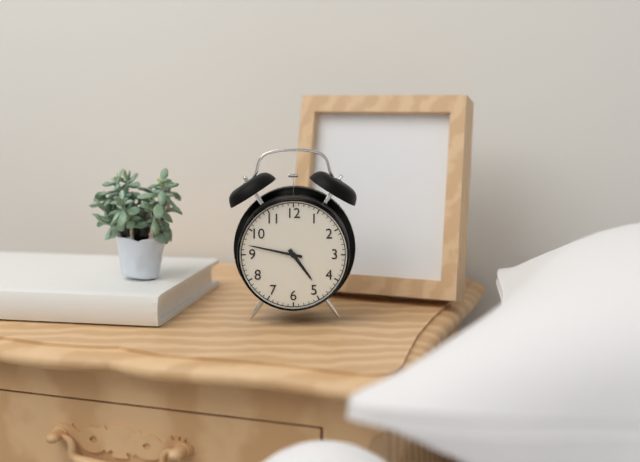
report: 4,47
